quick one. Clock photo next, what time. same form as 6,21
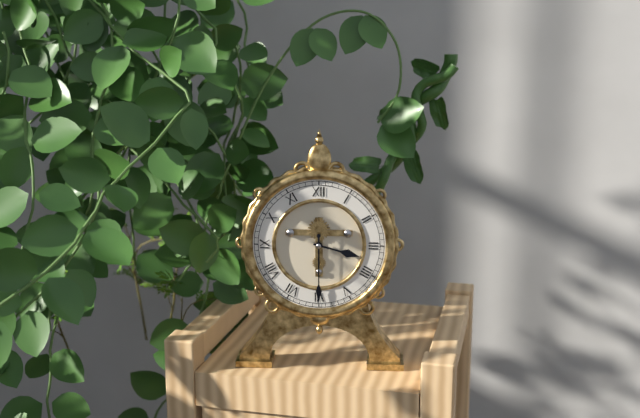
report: 3,30
